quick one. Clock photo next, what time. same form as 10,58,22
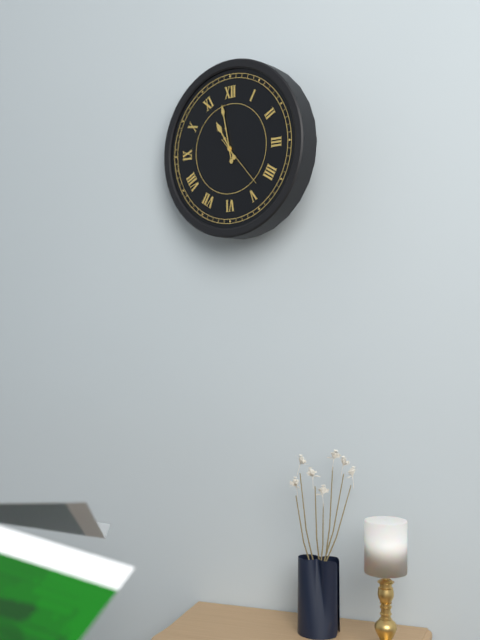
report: 10,58,23
